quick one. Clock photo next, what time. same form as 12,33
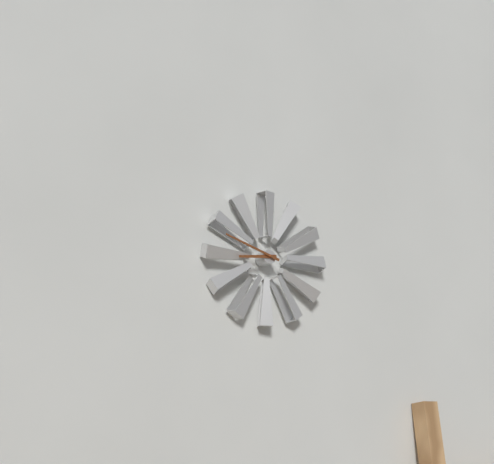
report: 8,48
